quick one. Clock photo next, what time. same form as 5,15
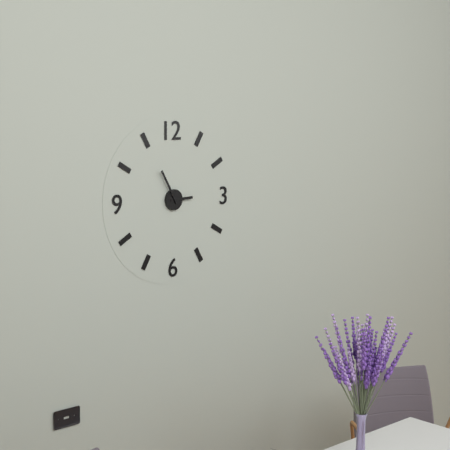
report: 2,55
